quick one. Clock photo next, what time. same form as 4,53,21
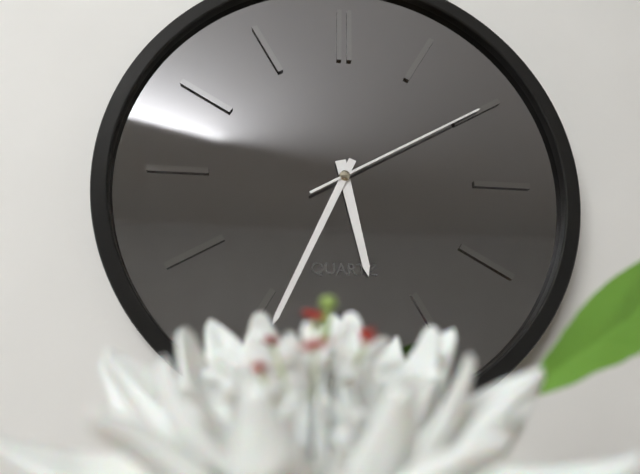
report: 5,34,10
